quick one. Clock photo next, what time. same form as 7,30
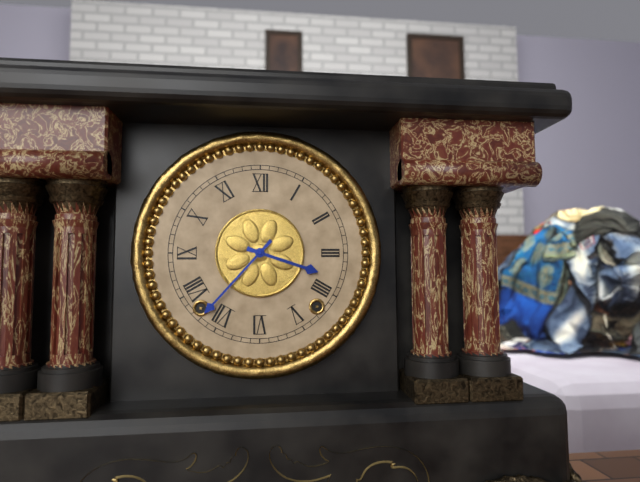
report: 3,37
